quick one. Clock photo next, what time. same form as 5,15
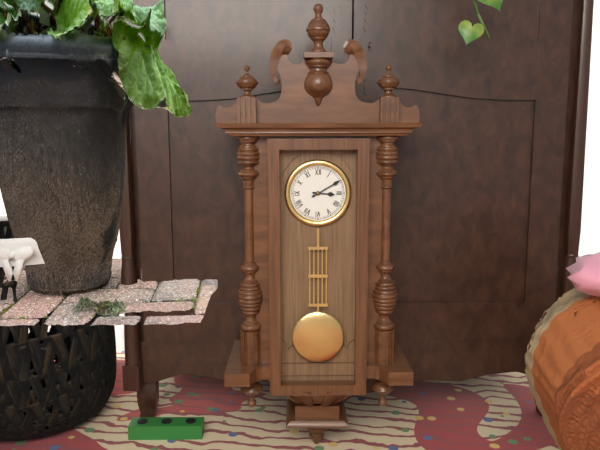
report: 3,10
